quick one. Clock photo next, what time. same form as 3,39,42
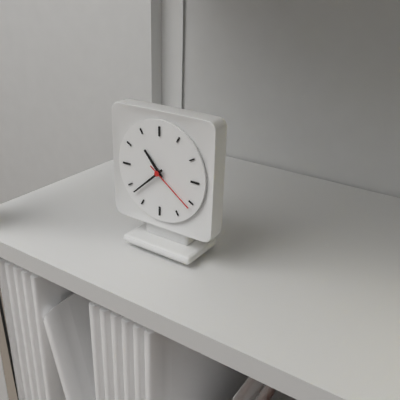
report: 10,38,21
